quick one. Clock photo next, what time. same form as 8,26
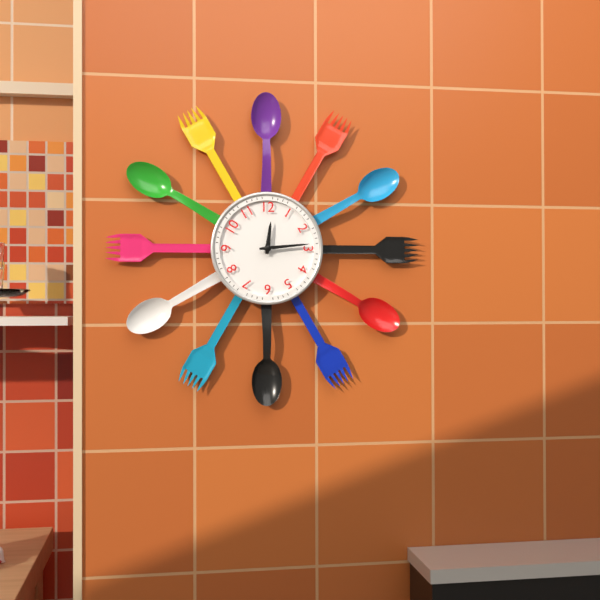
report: 12,14
